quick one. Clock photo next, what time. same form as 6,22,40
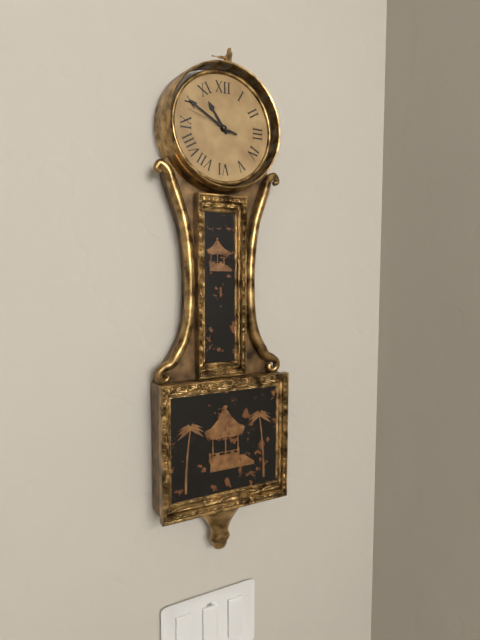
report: 10,50,48
